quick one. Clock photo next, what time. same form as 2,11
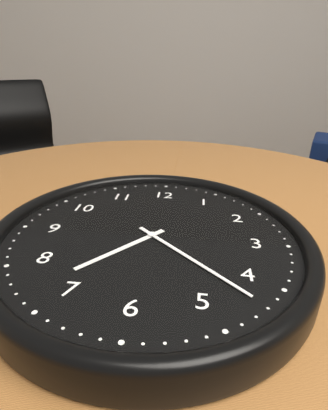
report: 7,22
